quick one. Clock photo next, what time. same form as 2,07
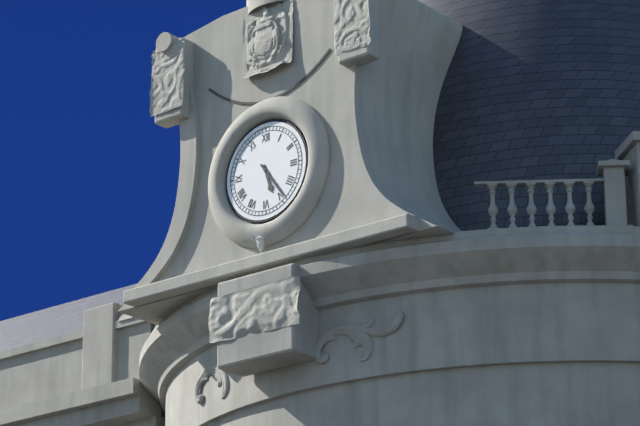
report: 5,24
